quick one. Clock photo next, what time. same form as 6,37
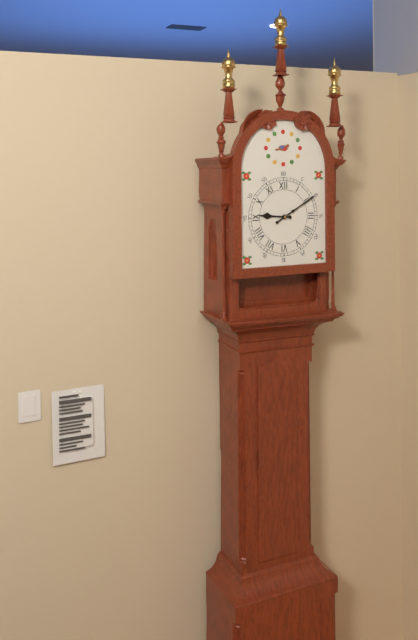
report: 9,10
